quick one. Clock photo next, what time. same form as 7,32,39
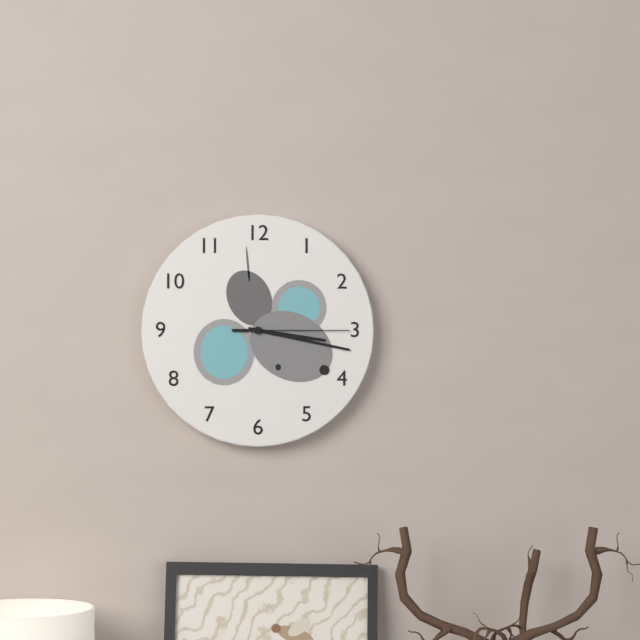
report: 3,17,15
